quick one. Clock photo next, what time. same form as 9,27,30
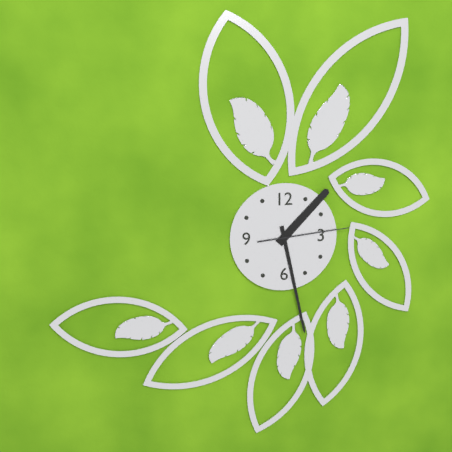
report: 1,28,14
